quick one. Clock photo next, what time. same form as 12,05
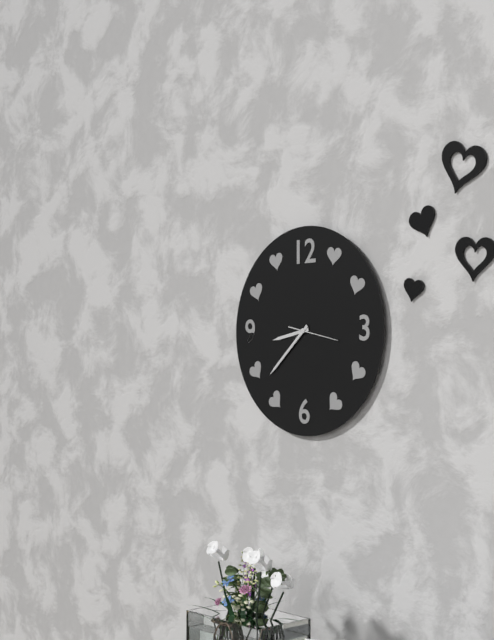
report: 8,38
